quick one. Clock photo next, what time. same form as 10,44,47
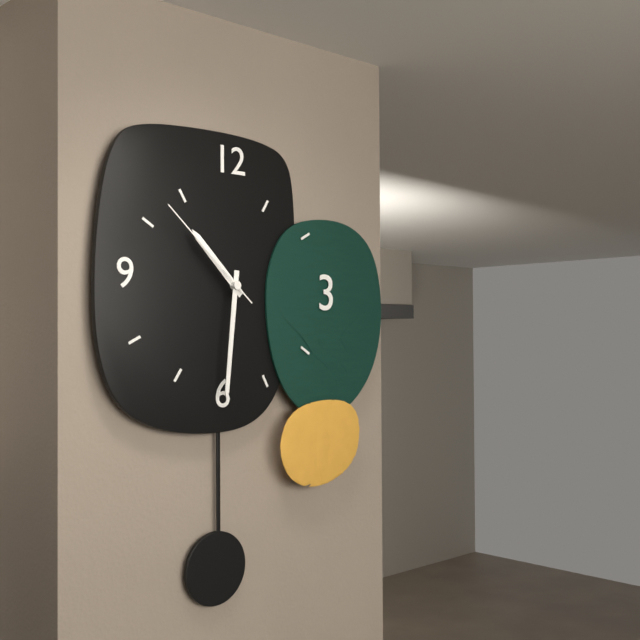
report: 10,31,52
